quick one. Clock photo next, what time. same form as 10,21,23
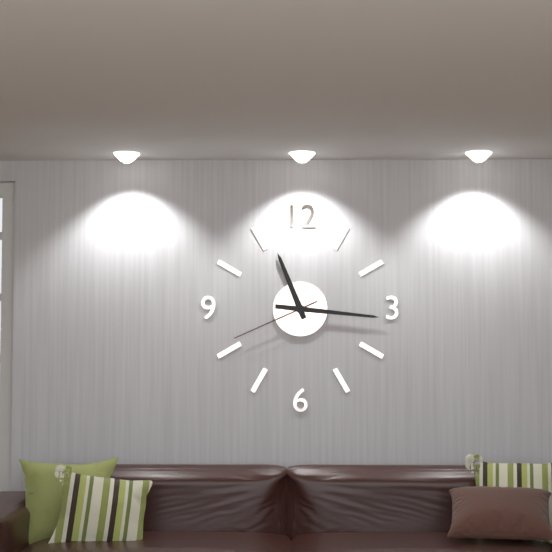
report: 11,16,41
